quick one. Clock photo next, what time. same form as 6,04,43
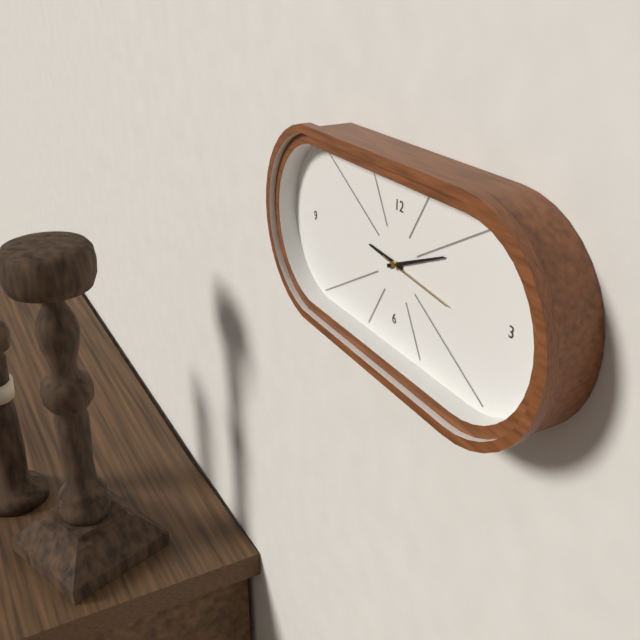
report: 9,11,16
